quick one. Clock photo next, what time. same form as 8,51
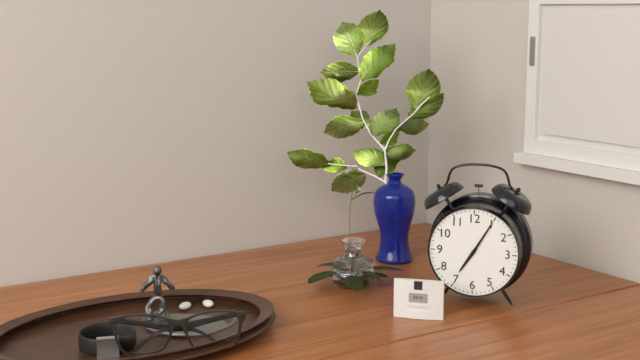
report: 7,05
